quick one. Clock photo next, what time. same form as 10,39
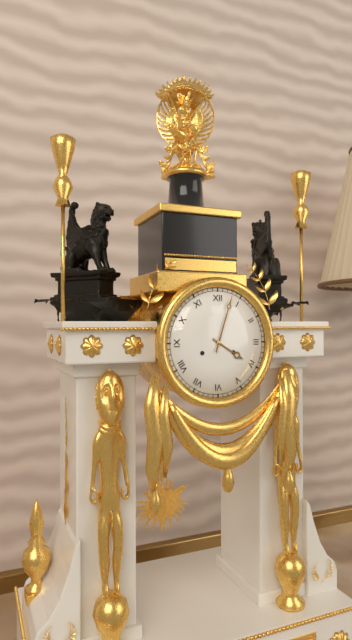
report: 4,03
